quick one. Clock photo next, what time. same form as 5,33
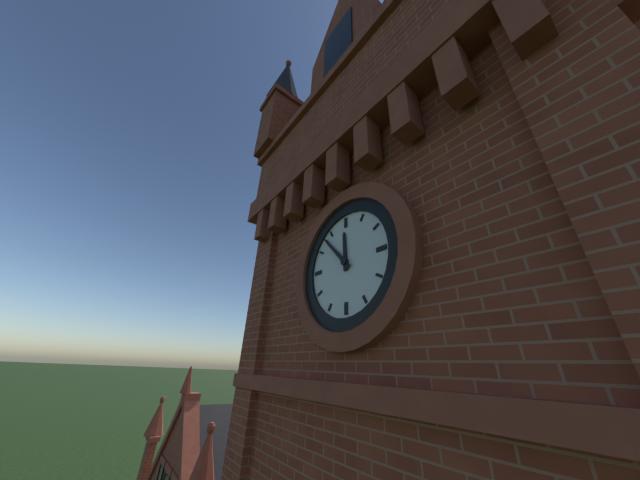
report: 11,53
